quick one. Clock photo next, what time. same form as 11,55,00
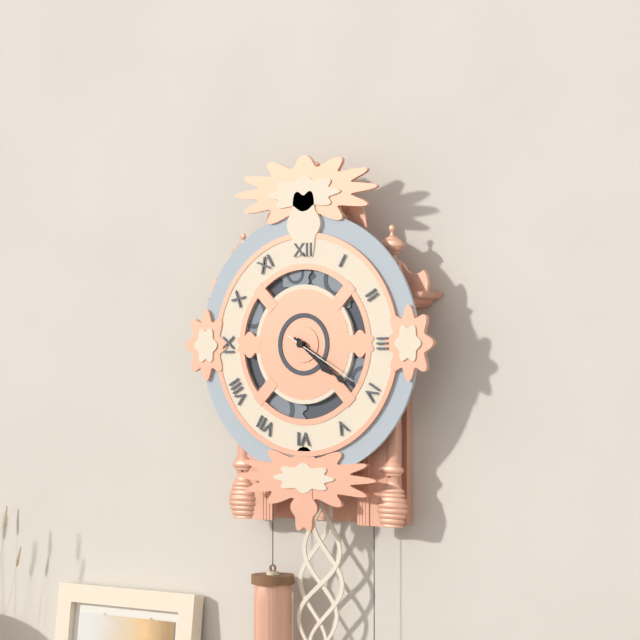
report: 4,21,20
